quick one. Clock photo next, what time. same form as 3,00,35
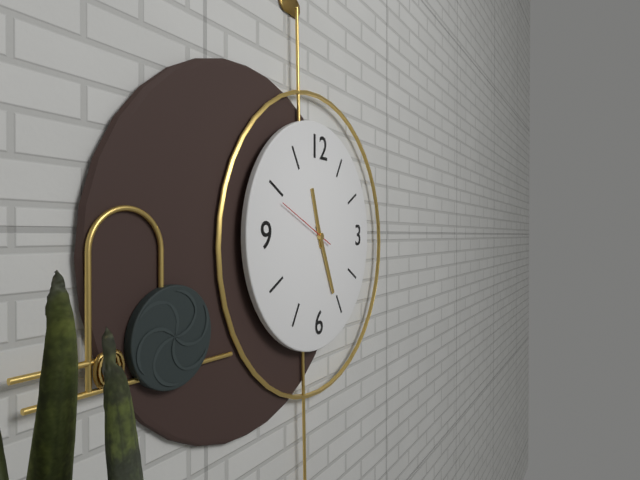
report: 11,26,49
